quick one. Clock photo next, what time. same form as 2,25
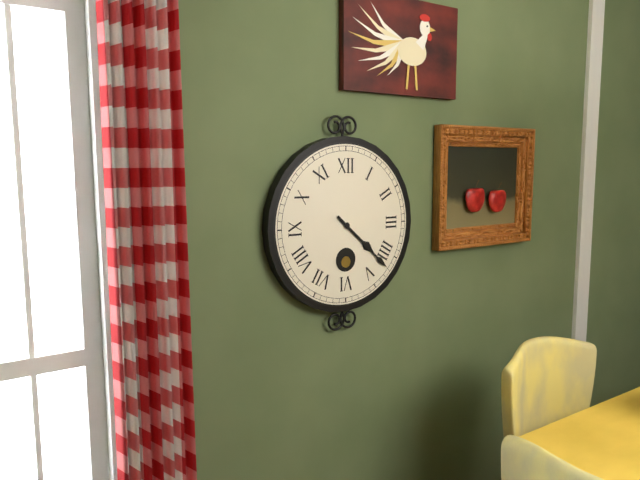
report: 4,22
